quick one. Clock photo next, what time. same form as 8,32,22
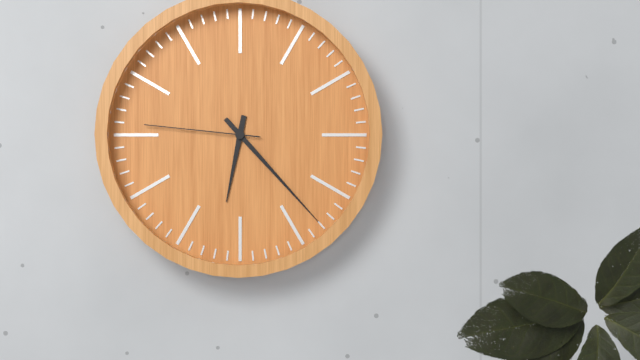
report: 6,23,46
